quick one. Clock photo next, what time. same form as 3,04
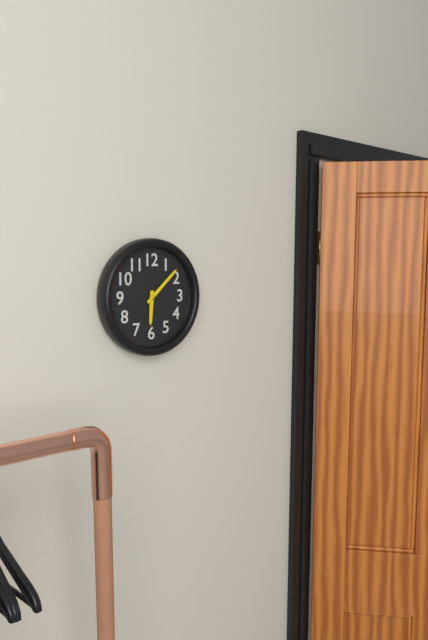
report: 6,08
